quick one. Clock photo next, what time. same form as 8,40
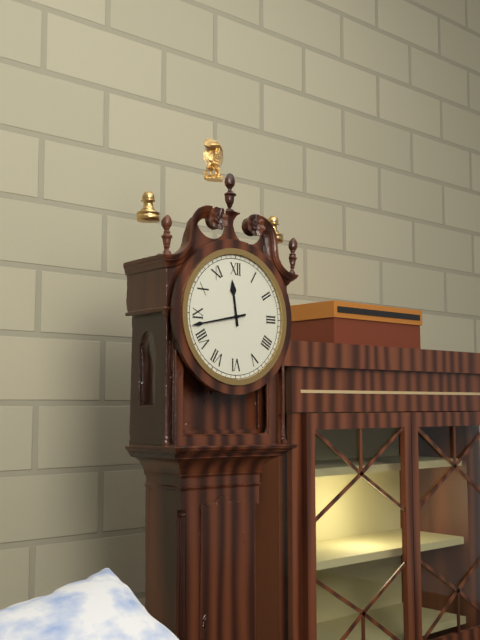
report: 11,43
